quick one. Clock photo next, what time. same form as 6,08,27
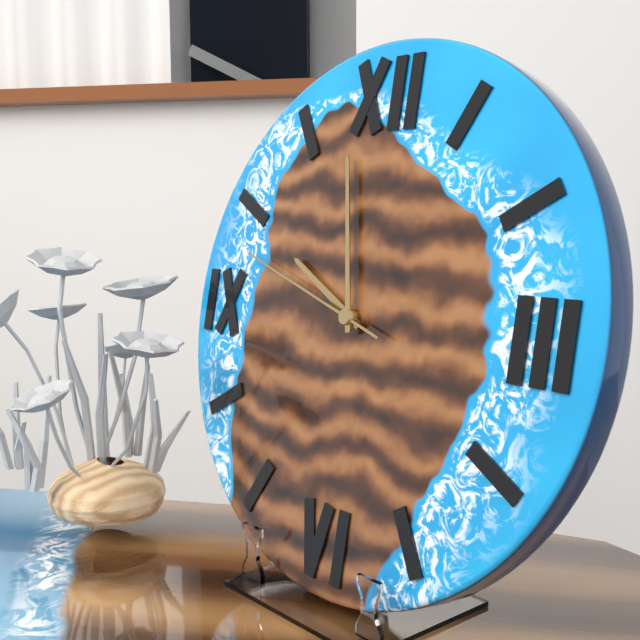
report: 9,58,48
